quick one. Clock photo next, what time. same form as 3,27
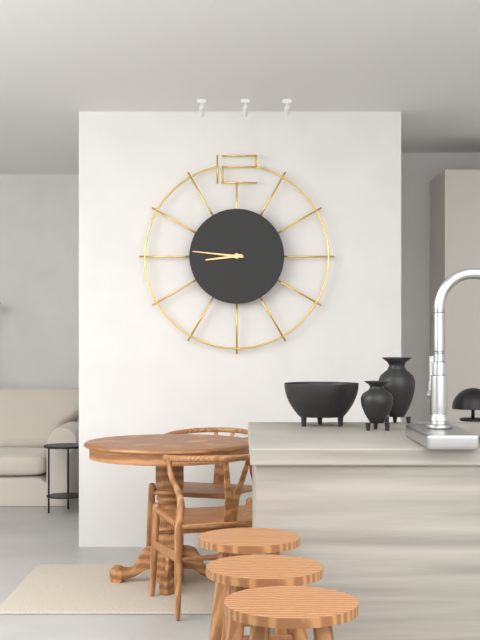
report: 8,46
